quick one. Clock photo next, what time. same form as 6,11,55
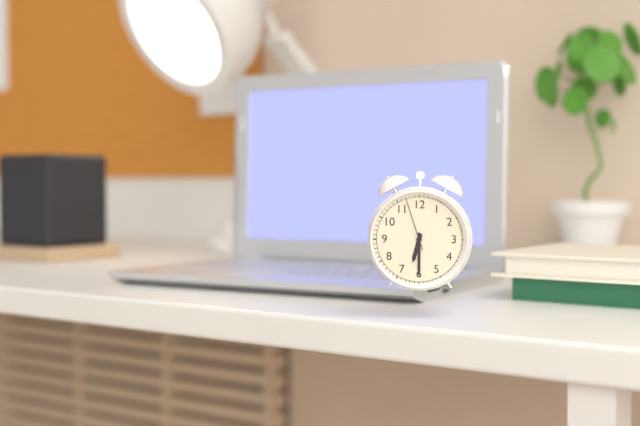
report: 6,30,57
